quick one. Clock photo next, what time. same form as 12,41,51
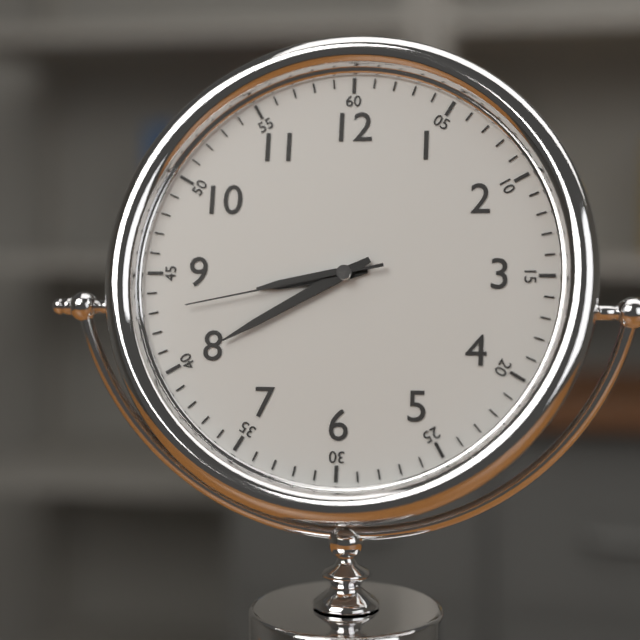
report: 8,40,43
